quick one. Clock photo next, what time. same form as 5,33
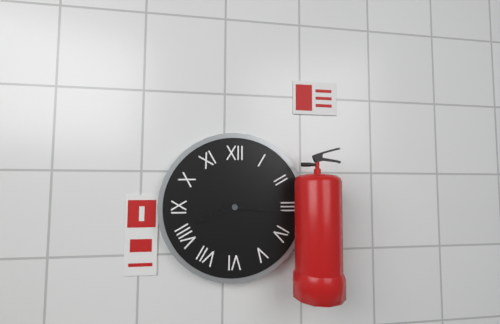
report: 8,16
